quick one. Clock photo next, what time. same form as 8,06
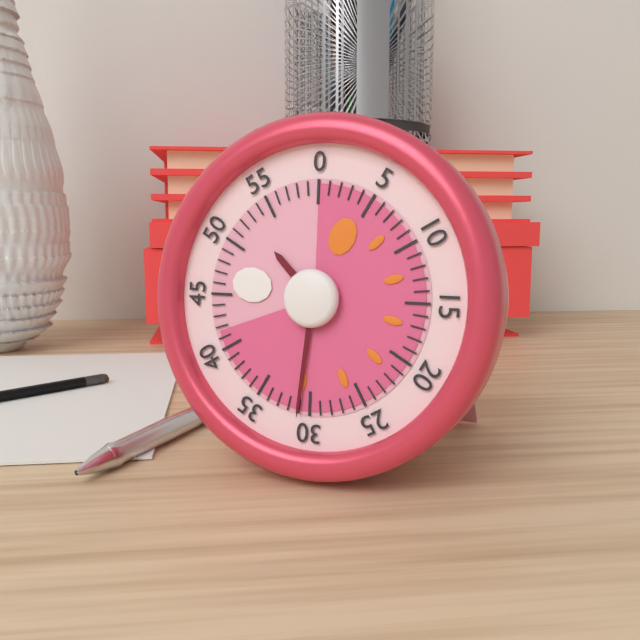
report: 10,31
